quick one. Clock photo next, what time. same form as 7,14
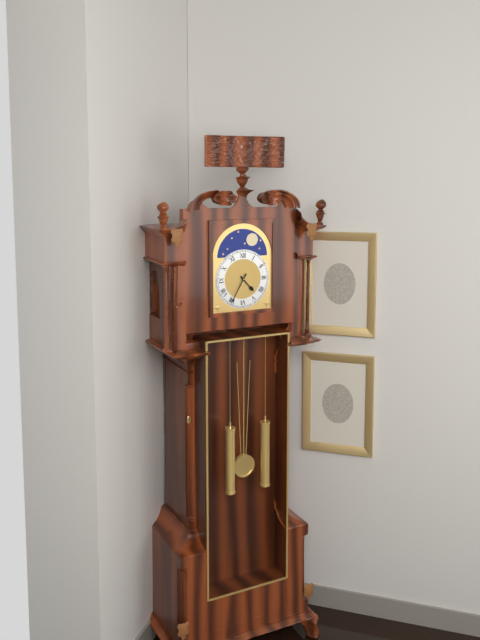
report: 4,35
